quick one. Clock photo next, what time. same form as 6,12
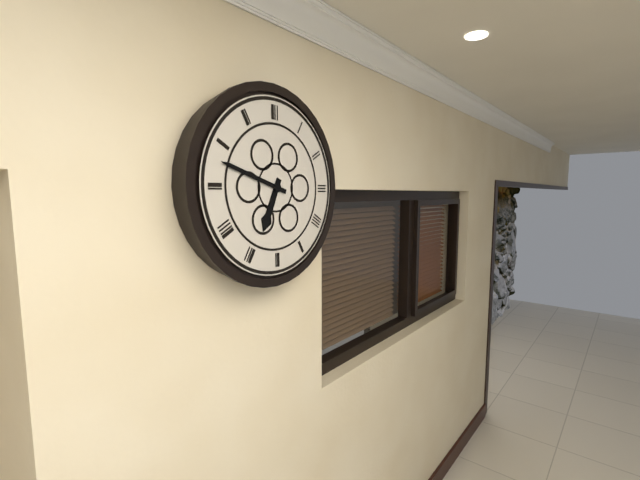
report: 6,48
